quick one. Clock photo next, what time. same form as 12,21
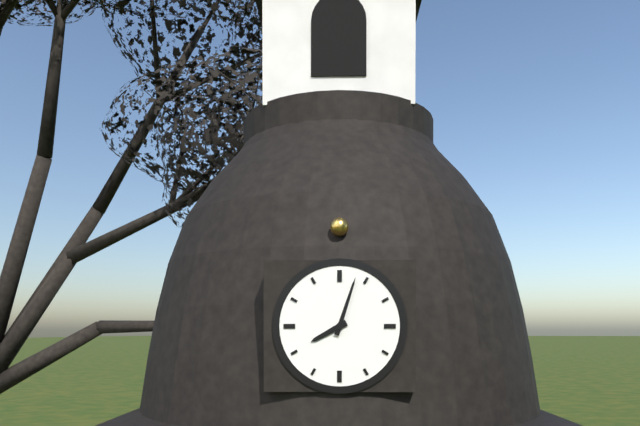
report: 8,03
